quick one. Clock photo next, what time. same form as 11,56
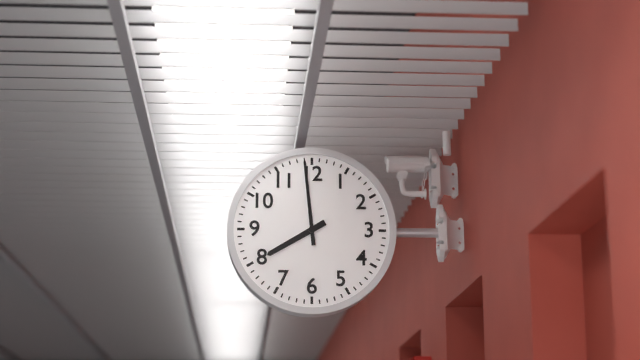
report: 7,59
